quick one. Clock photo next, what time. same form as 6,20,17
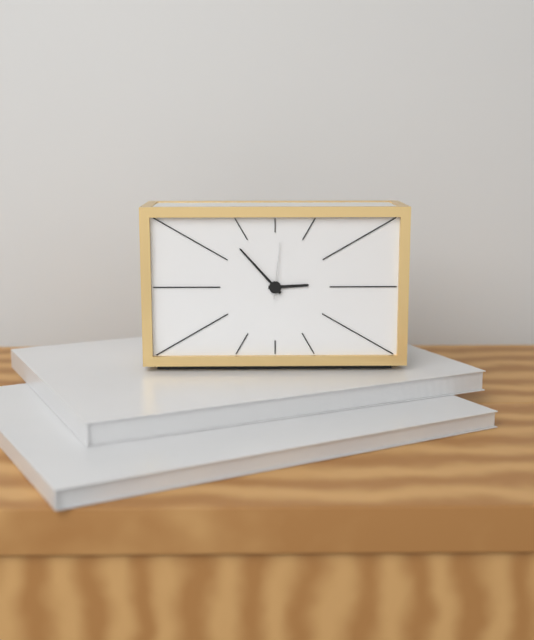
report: 2,53,01
